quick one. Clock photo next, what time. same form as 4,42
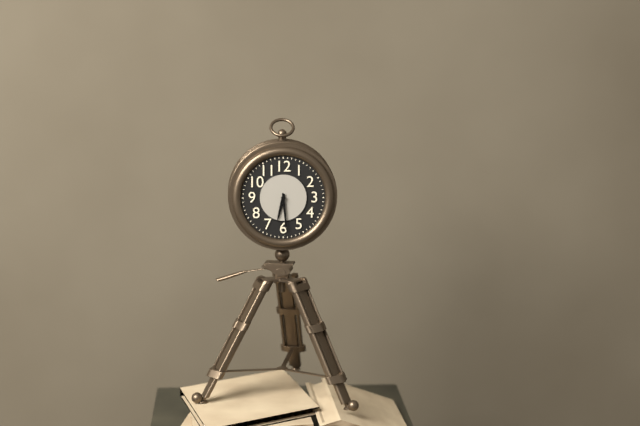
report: 6,29
